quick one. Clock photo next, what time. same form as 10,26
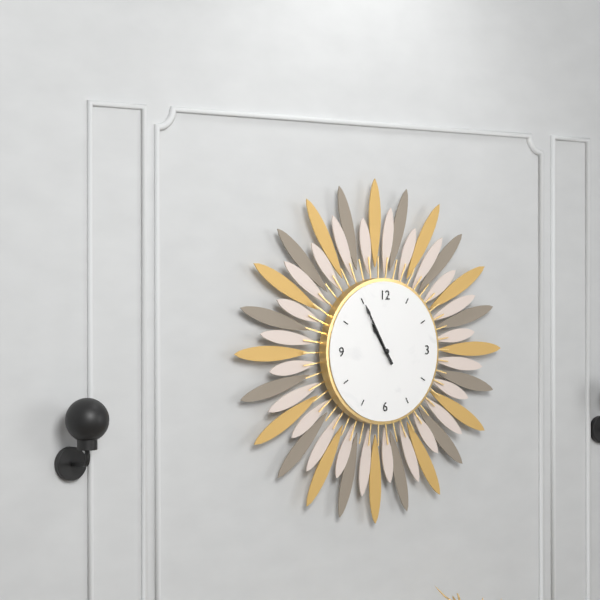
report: 10,55
